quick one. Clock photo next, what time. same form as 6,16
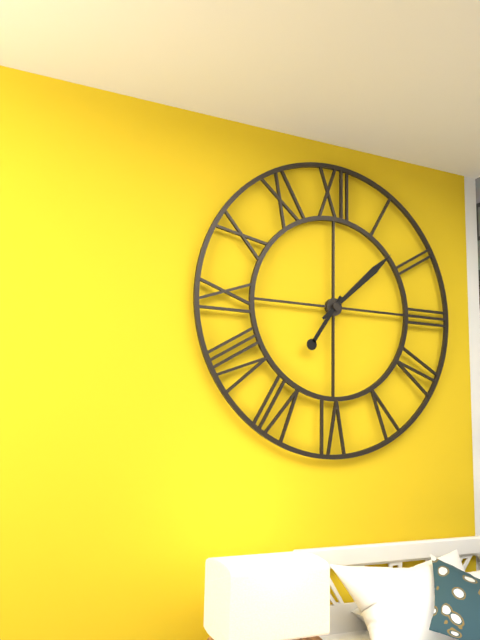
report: 7,08
